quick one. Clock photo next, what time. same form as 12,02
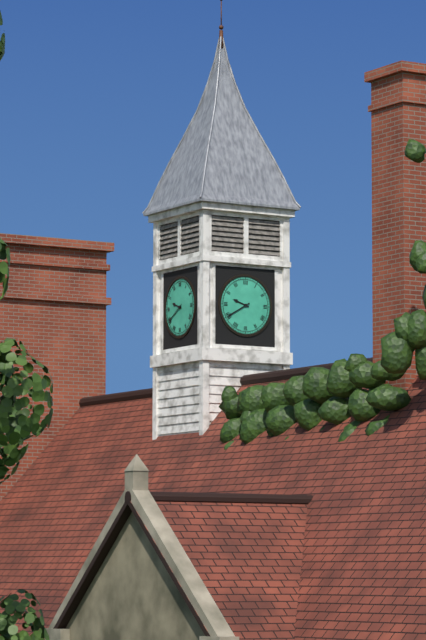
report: 9,40
